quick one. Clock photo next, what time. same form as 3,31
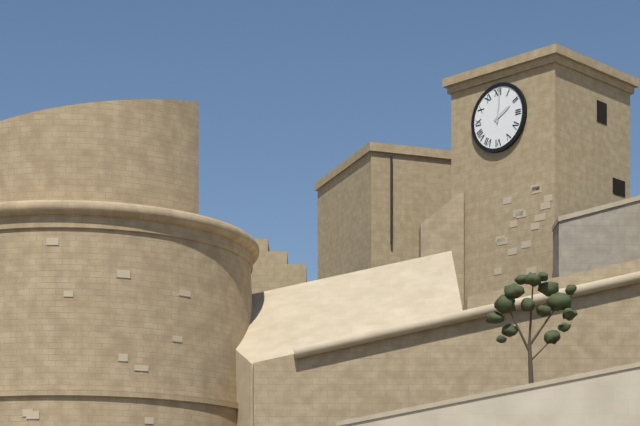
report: 2,01
